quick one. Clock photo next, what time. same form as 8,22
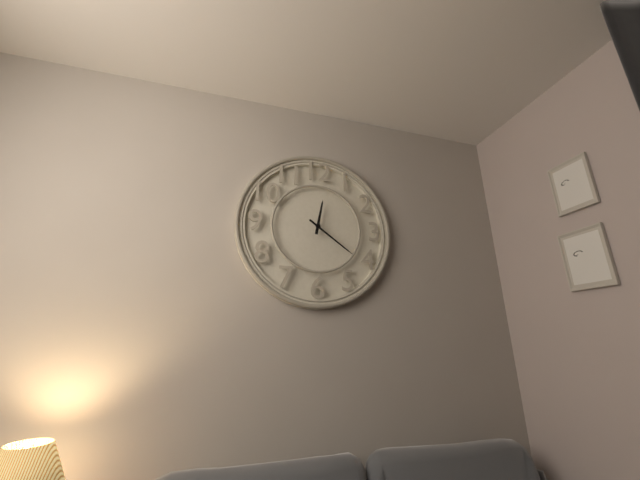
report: 12,21
